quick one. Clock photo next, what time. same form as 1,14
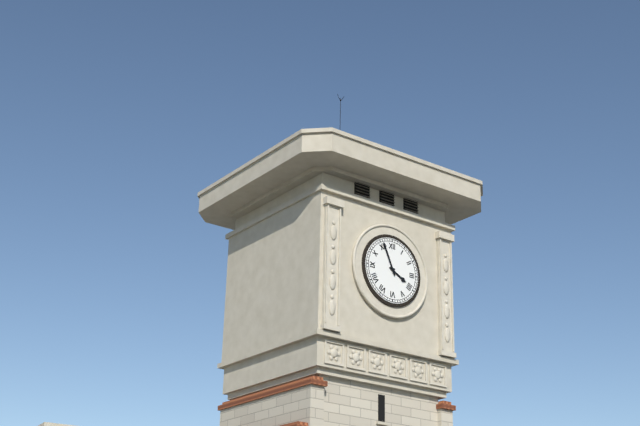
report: 3,56
